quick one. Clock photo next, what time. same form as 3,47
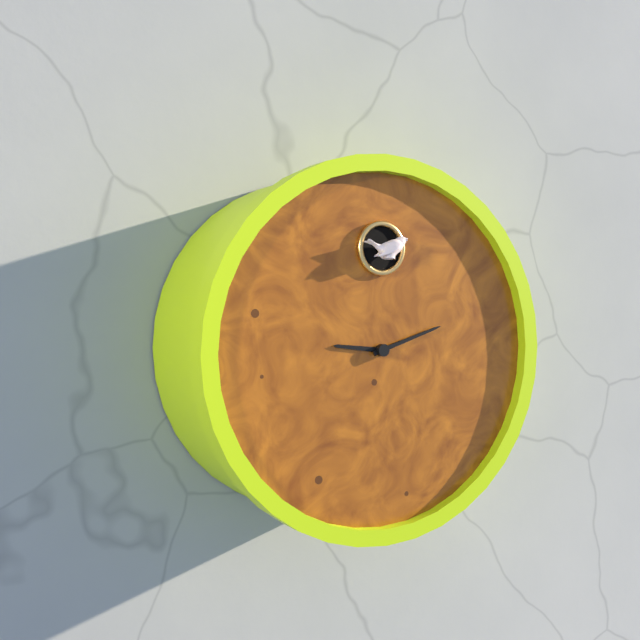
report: 9,12
